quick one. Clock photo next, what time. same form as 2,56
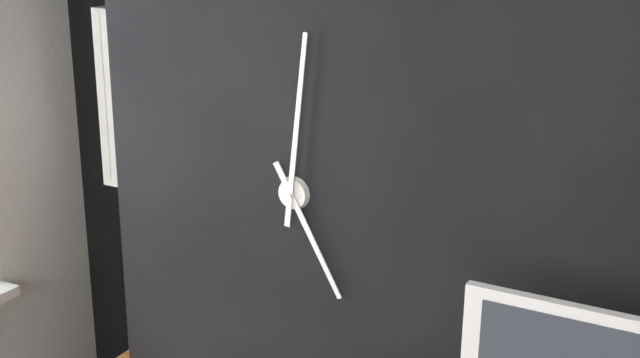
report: 5,01
